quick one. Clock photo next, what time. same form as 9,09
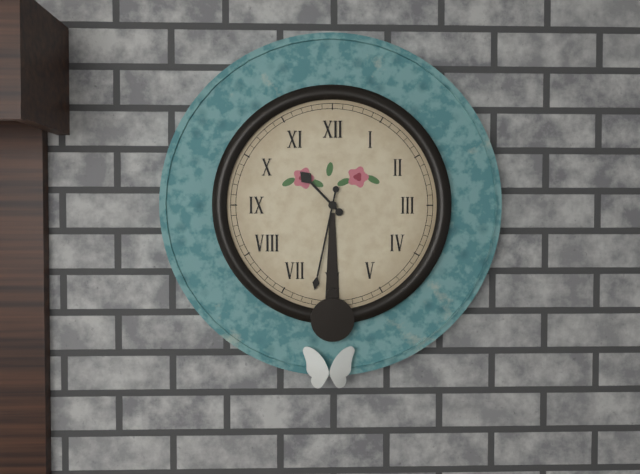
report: 10,32
